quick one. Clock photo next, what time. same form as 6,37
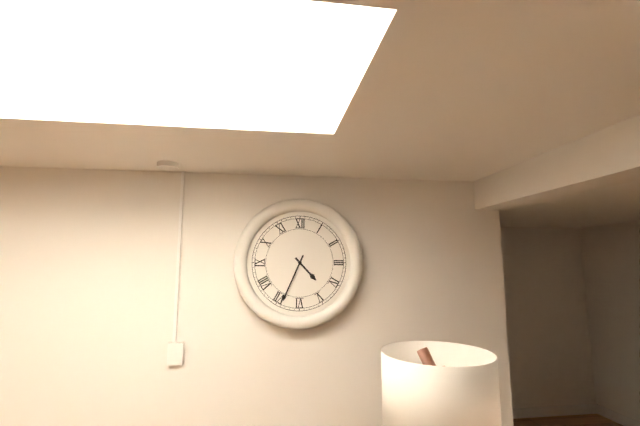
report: 4,34
